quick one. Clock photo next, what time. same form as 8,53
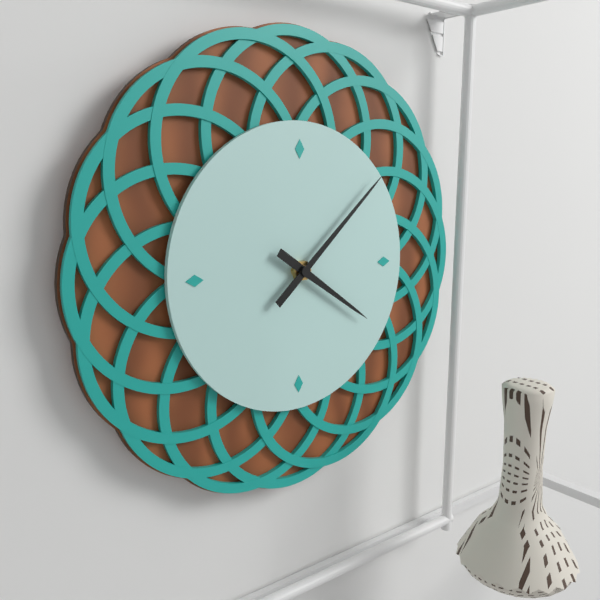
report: 4,08
